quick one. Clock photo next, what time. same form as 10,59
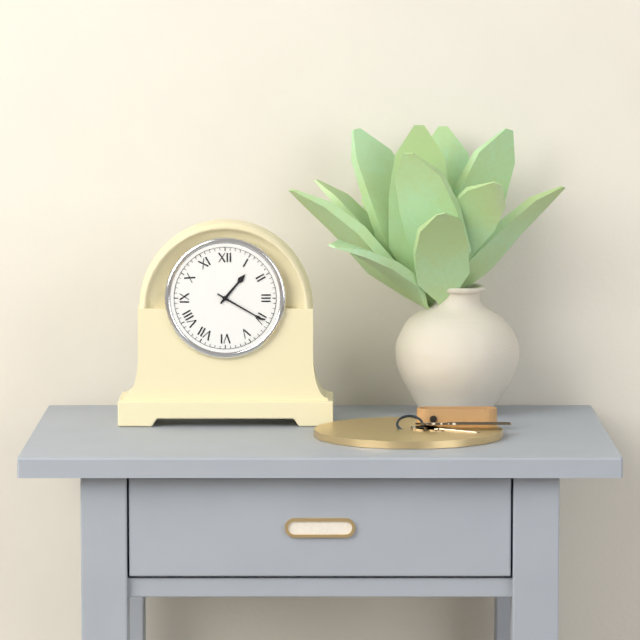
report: 1,20
